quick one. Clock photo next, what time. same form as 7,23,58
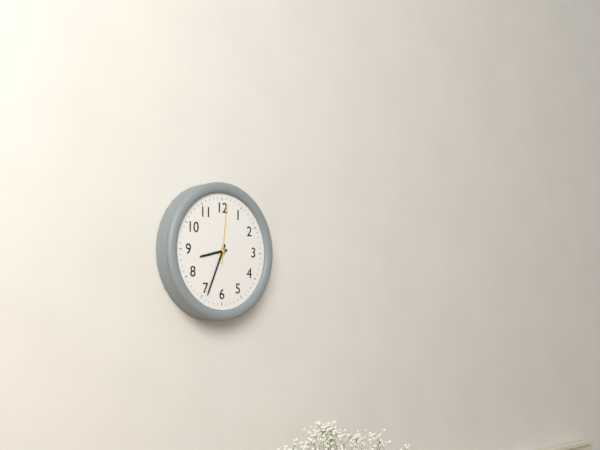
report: 8,34,01
